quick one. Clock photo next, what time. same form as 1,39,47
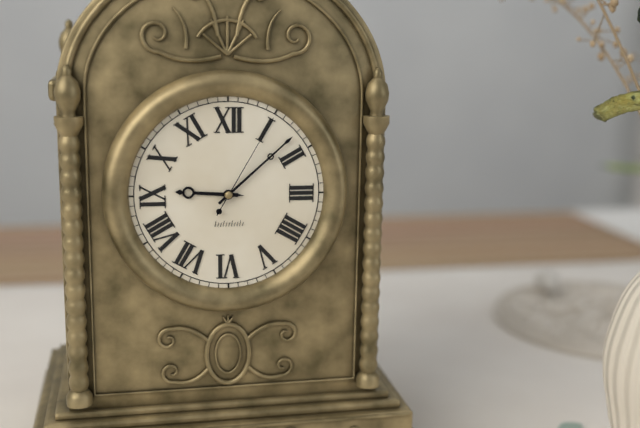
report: 9,08,05
